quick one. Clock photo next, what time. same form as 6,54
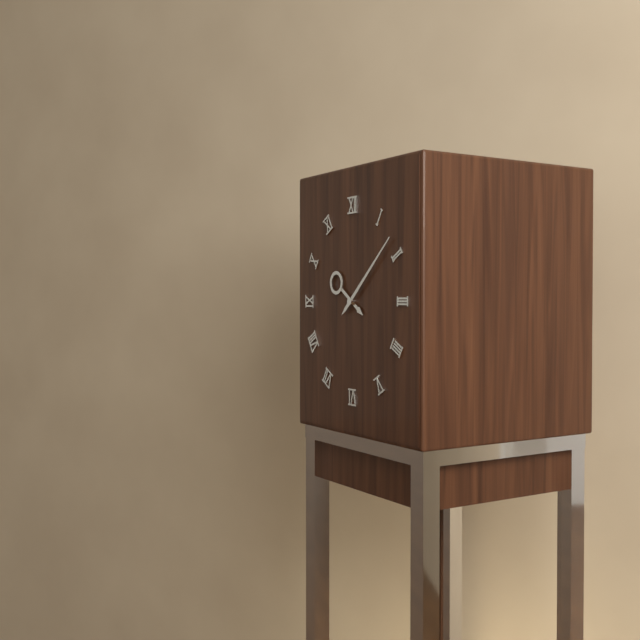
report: 10,08
